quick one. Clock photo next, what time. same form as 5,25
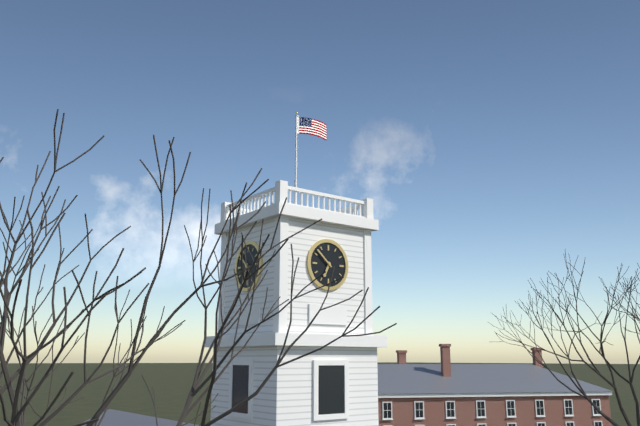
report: 6,52
